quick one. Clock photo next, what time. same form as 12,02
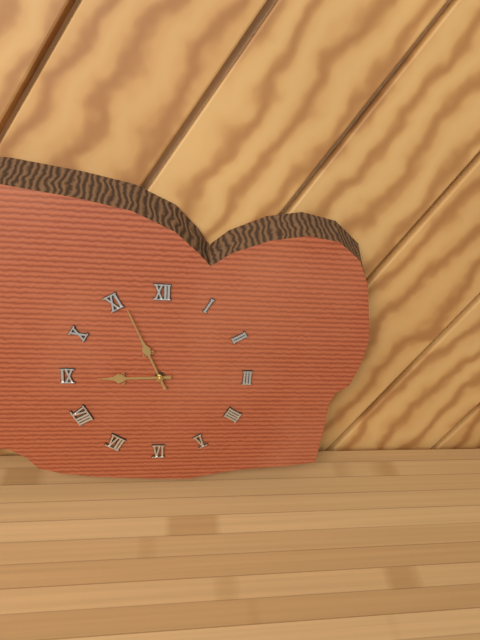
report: 8,56
